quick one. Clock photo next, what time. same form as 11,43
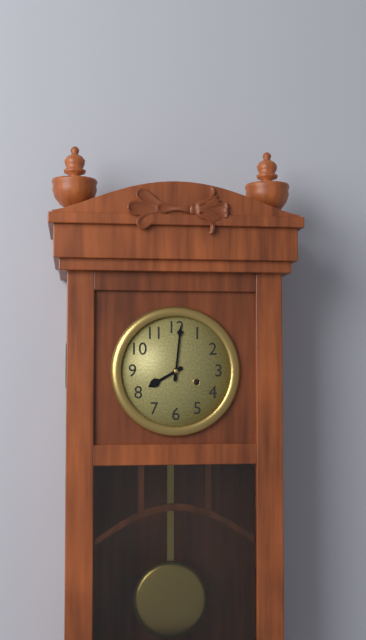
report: 8,01
